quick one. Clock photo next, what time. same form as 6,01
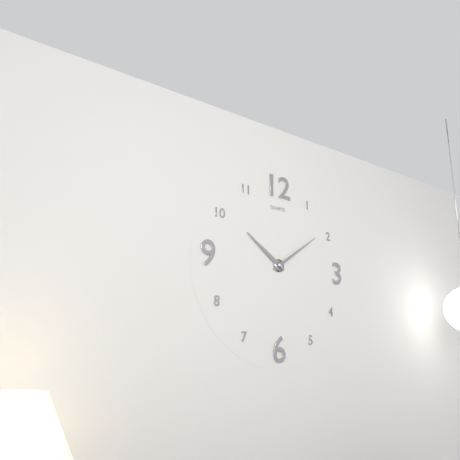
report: 10,09
